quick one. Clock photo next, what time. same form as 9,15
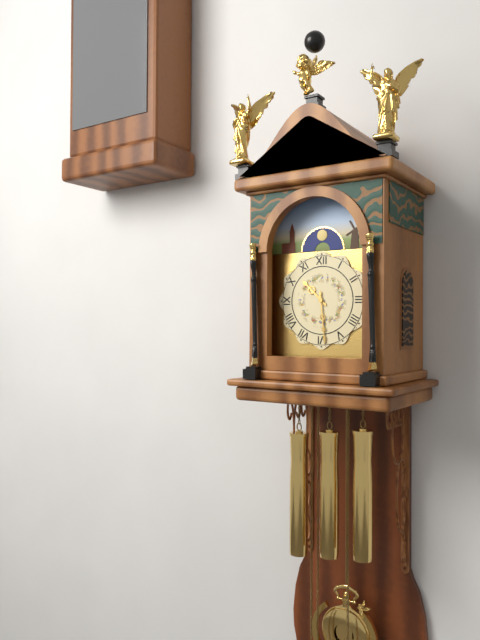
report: 10,29
